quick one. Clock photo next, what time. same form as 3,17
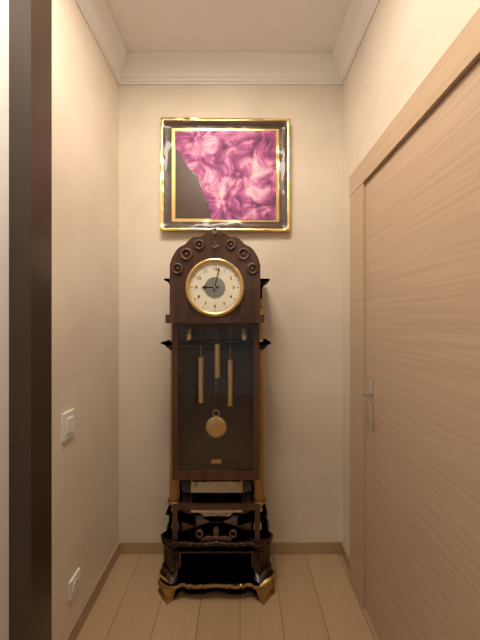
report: 9,02
